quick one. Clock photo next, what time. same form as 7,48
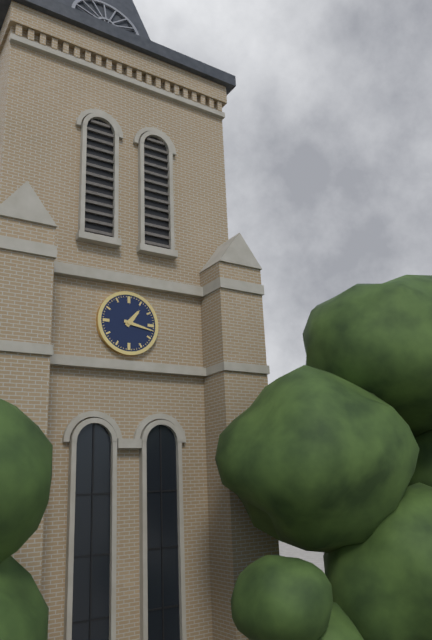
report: 1,17
